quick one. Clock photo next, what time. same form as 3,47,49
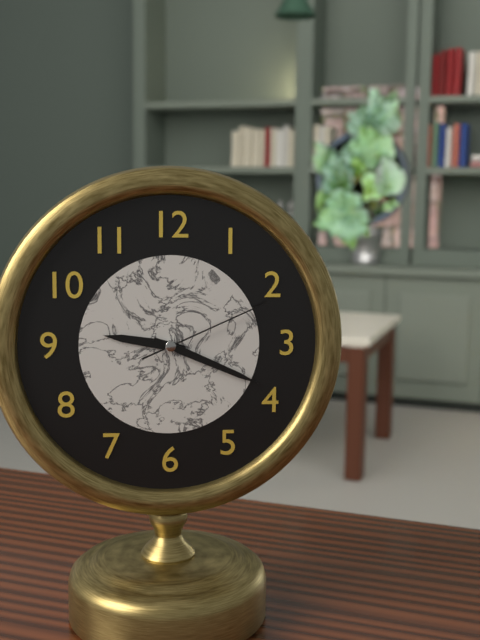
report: 9,19,11
